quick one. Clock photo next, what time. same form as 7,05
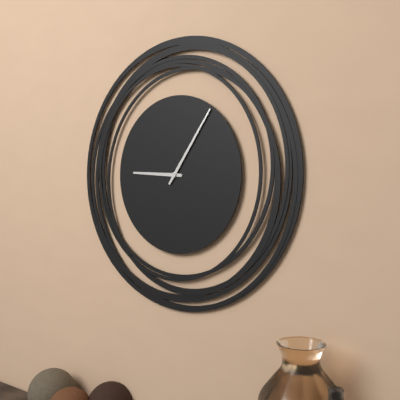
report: 9,06
